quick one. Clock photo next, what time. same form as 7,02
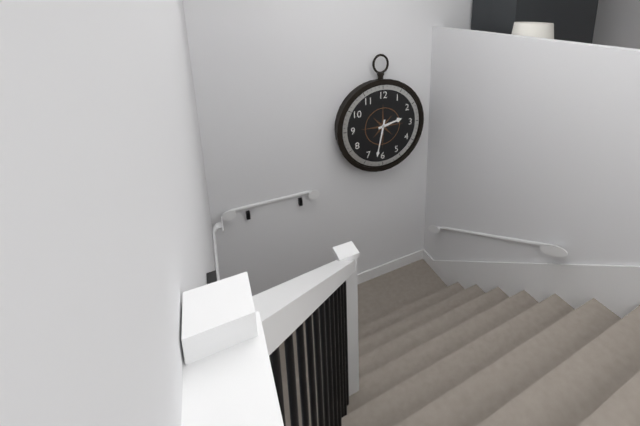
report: 2,32
